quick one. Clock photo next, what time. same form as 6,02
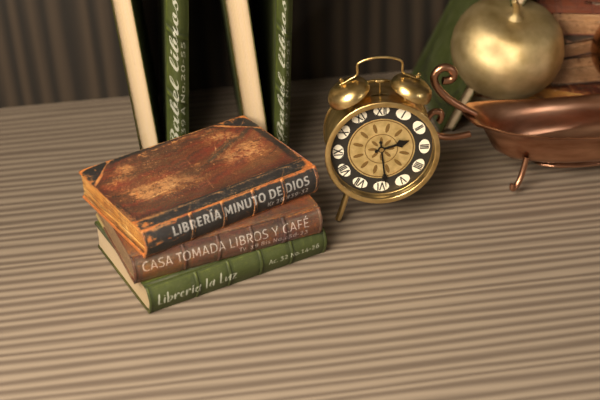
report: 2,29
